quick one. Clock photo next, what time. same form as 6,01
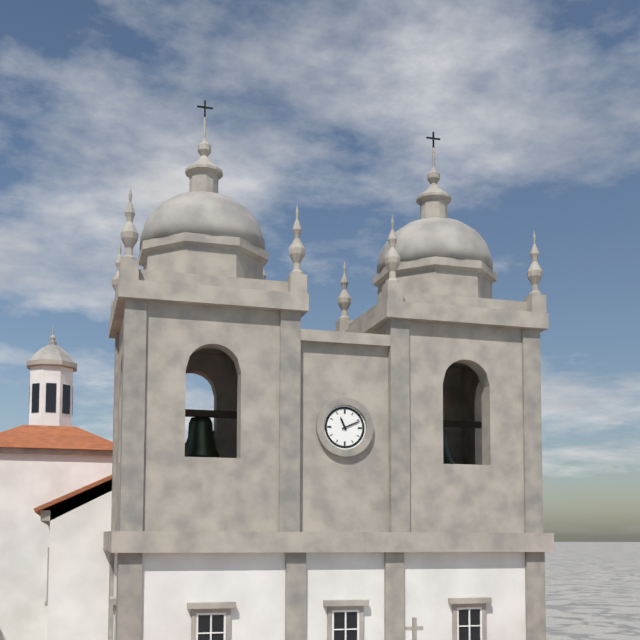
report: 11,11
